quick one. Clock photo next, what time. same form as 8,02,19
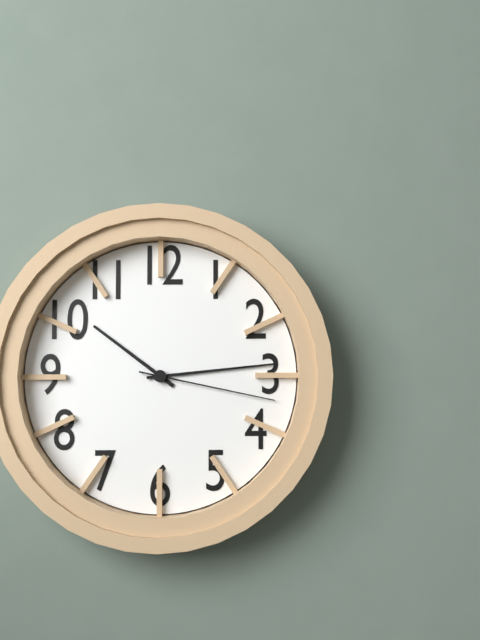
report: 10,14,17
